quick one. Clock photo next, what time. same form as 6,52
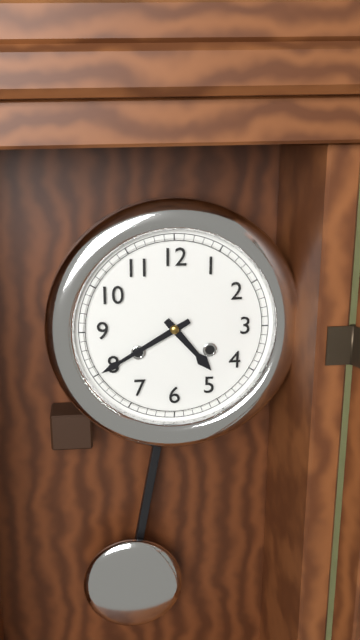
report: 4,40
